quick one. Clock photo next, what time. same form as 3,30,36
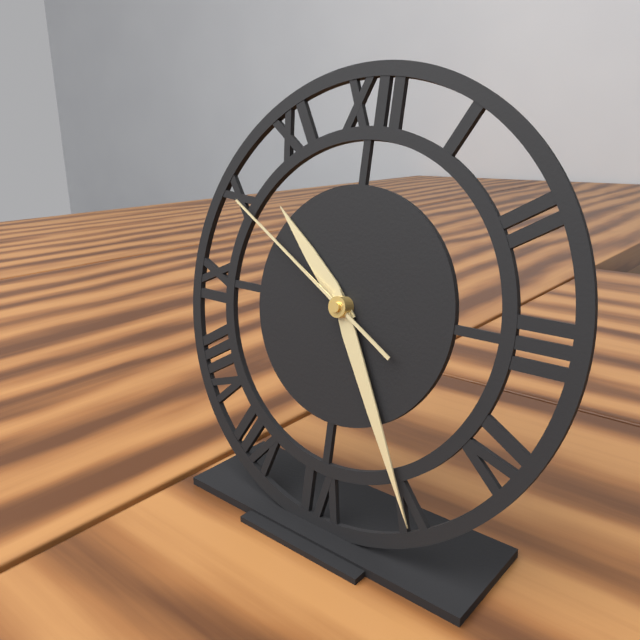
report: 10,25,50
